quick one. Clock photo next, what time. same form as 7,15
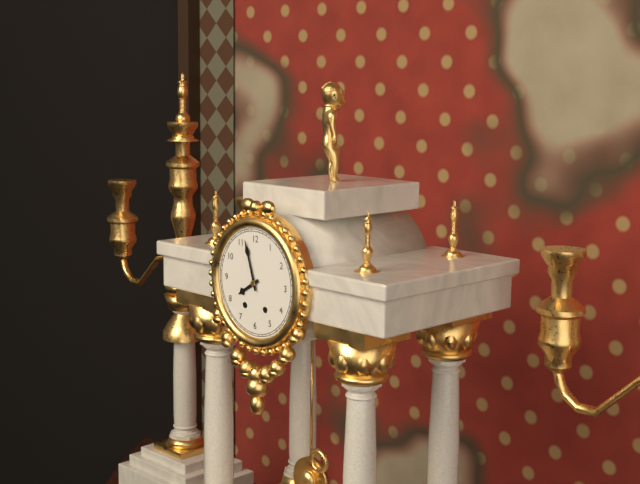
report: 7,57
